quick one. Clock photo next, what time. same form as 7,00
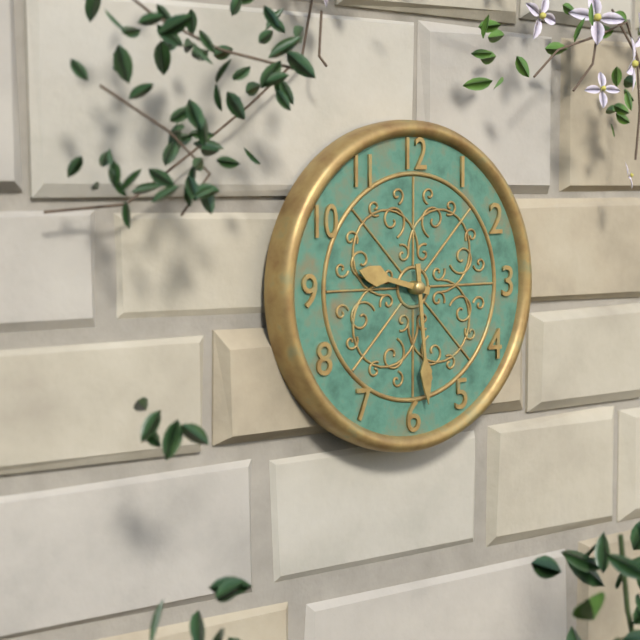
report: 9,29
